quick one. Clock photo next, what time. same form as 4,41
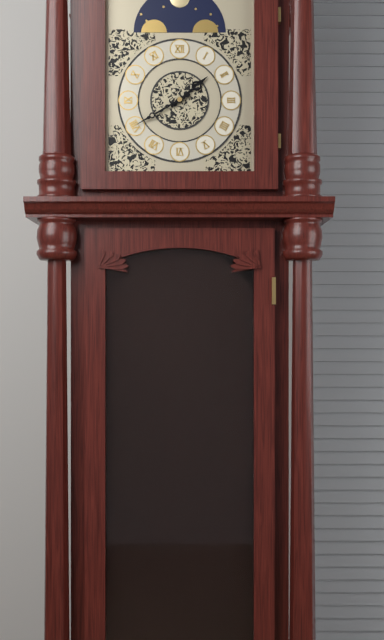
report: 1,40
